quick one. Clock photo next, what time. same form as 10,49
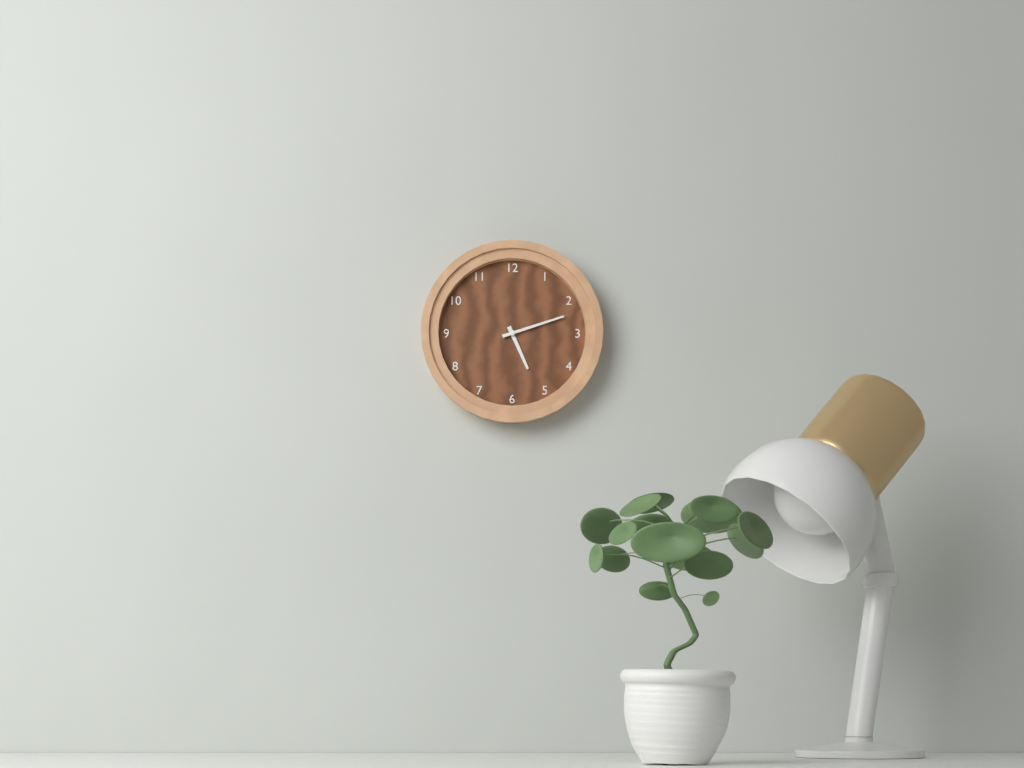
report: 5,12
